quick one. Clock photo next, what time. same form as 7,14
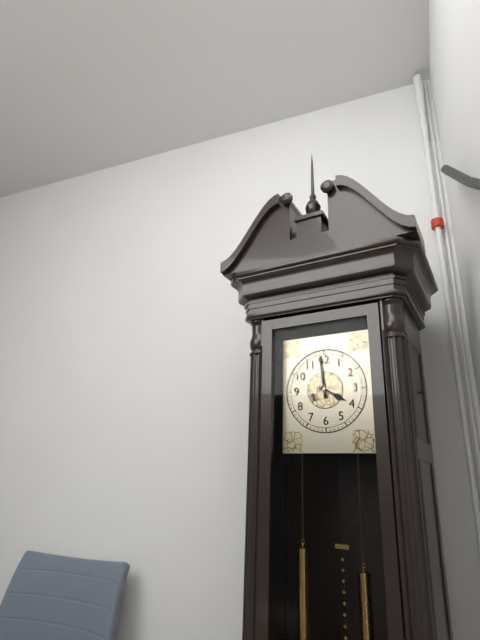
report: 3,59
